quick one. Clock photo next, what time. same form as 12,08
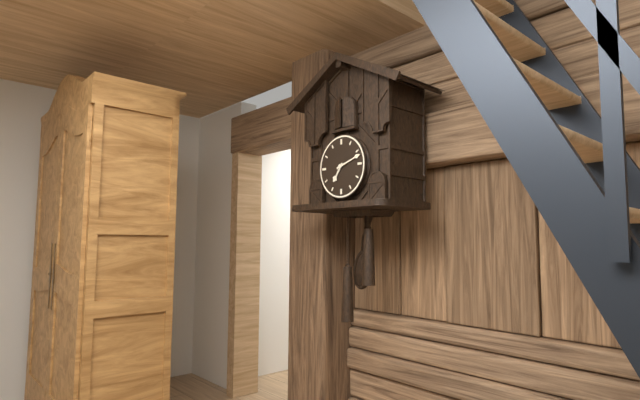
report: 7,12
